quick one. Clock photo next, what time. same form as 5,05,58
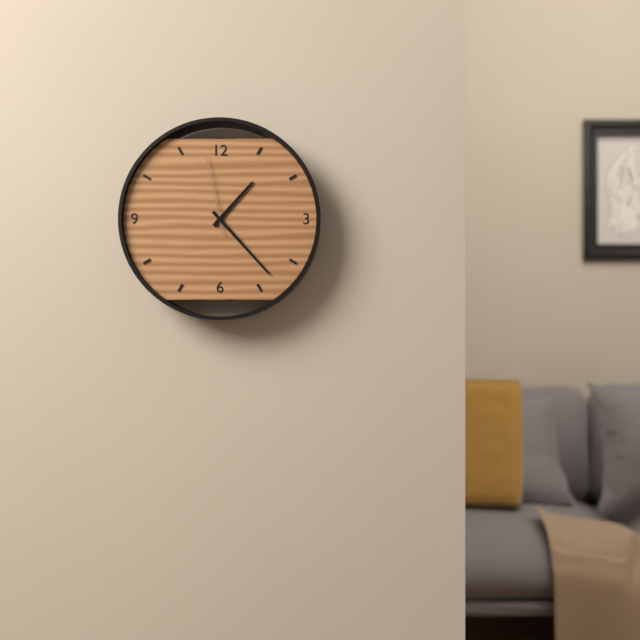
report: 1,23,58
